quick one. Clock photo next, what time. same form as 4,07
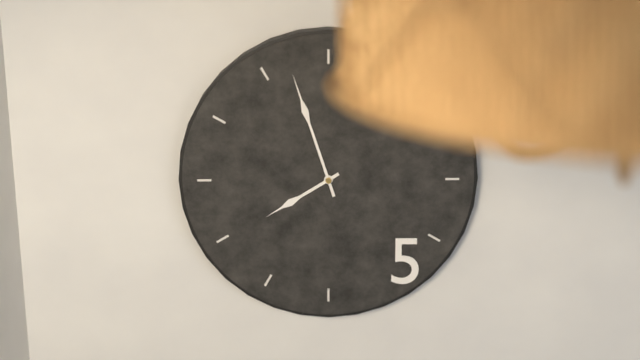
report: 7,57
